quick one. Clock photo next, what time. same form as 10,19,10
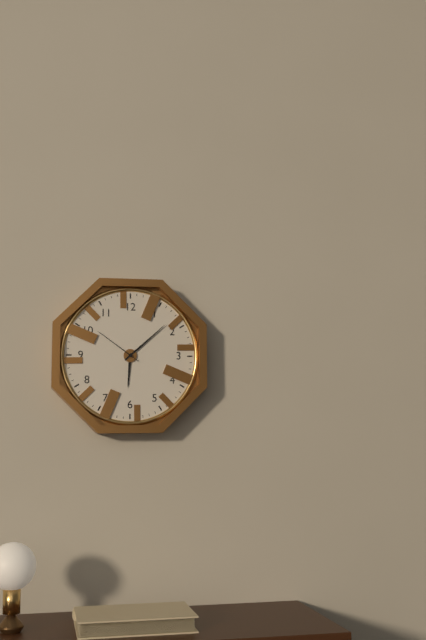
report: 6,08,51
